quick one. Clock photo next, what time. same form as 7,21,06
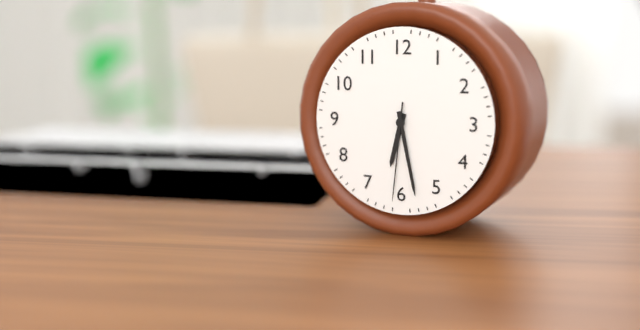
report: 6,28,31
